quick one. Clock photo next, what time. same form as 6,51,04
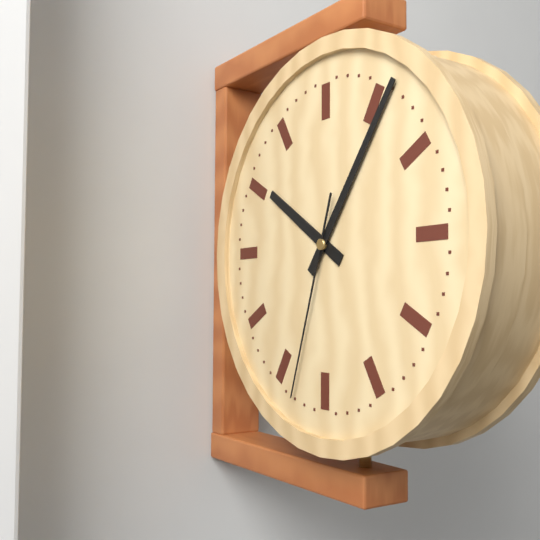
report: 10,06,33
